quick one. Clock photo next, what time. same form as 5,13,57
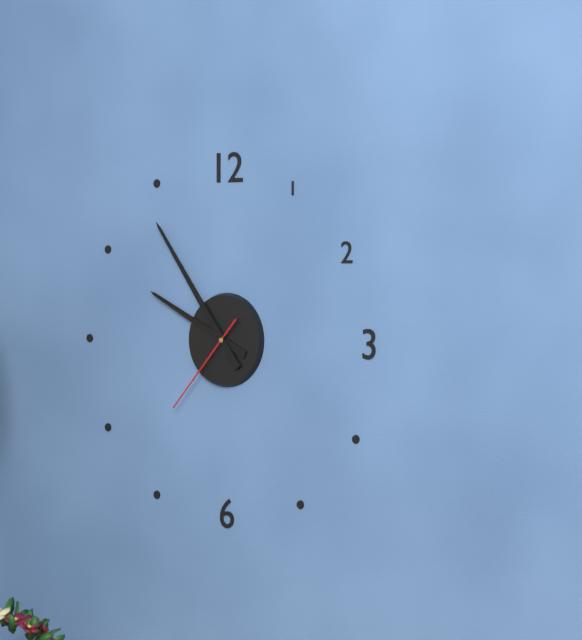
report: 9,54,37
